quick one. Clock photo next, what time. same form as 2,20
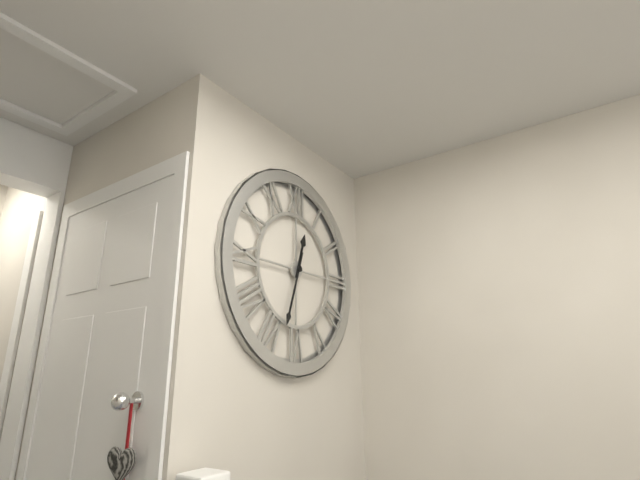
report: 12,33
